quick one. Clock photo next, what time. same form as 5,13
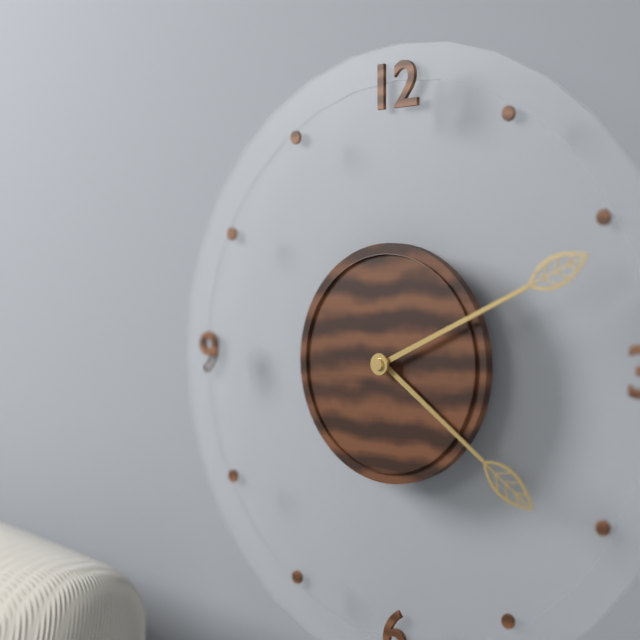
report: 4,11
